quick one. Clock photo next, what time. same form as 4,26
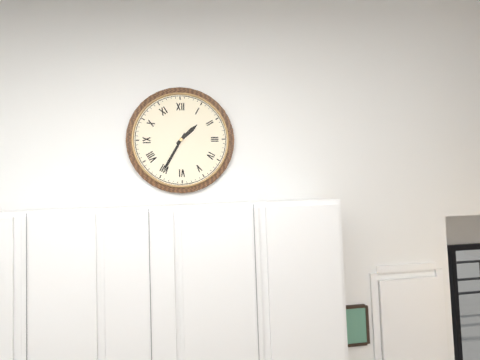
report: 1,35
